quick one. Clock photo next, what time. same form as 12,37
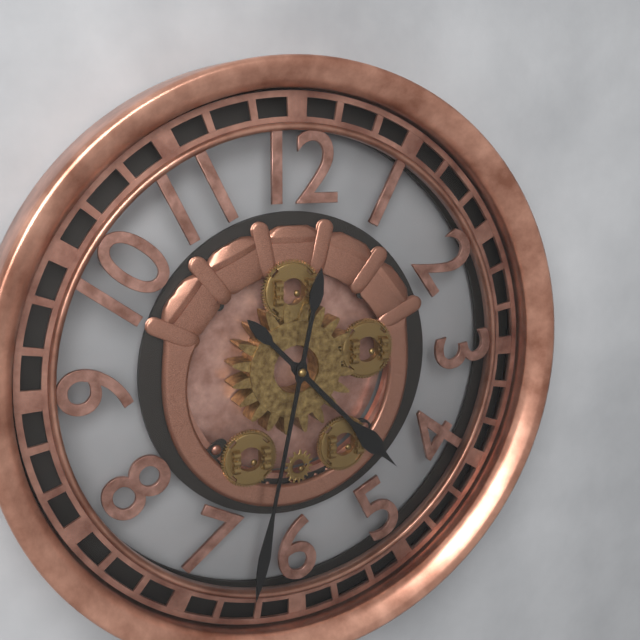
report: 4,32
